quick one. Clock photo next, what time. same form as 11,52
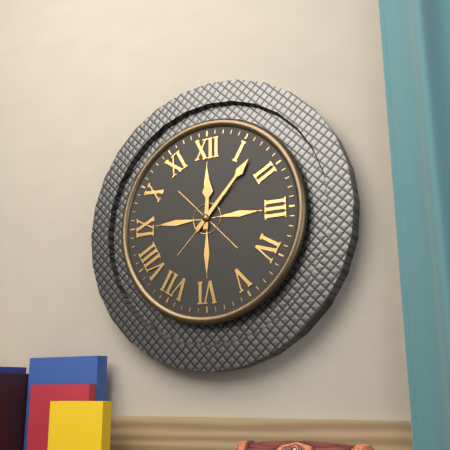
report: 12,07
